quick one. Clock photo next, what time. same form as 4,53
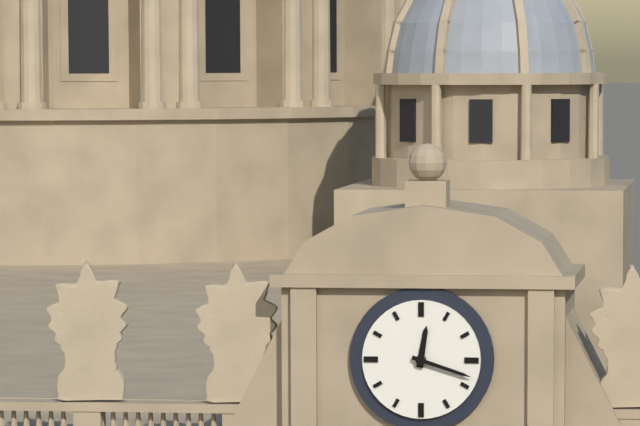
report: 12,18
